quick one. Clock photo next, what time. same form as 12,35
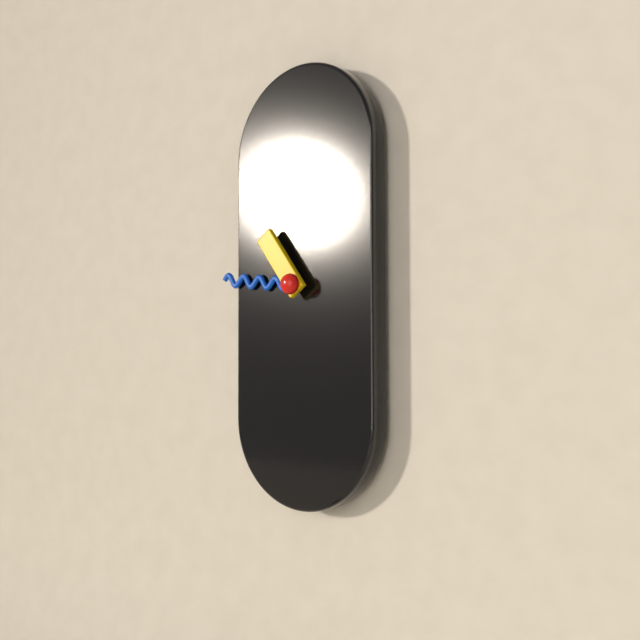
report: 10,46
